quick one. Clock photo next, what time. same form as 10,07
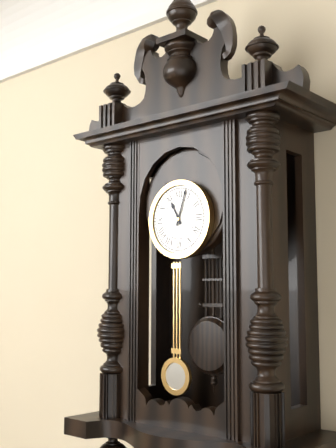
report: 11,03
